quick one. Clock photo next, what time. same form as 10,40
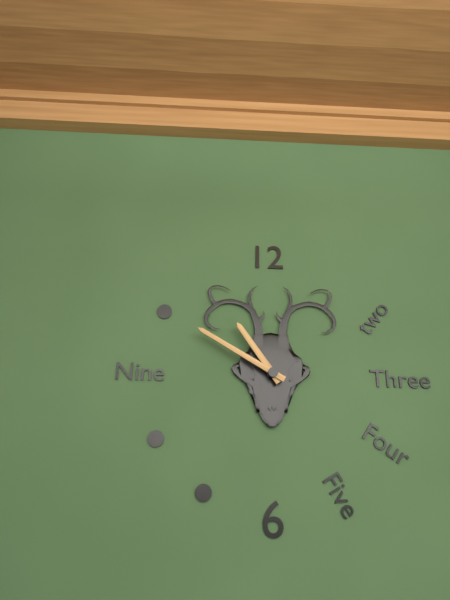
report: 10,50
